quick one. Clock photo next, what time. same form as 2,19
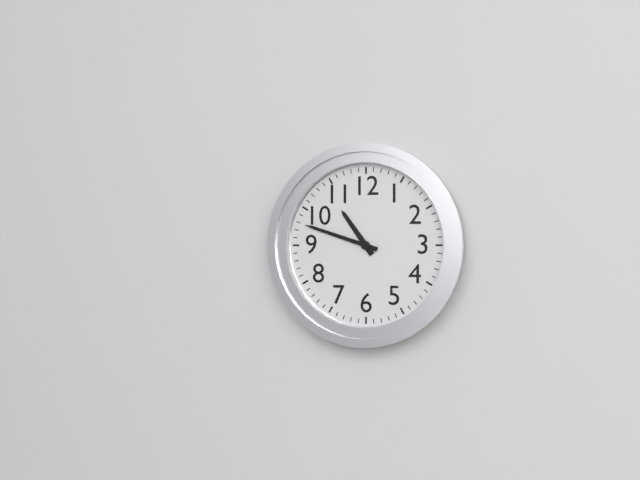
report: 10,48
